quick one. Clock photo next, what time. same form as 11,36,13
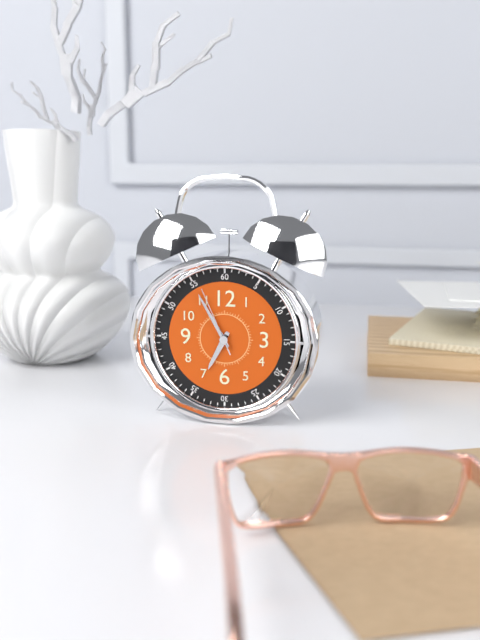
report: 6,55,56
